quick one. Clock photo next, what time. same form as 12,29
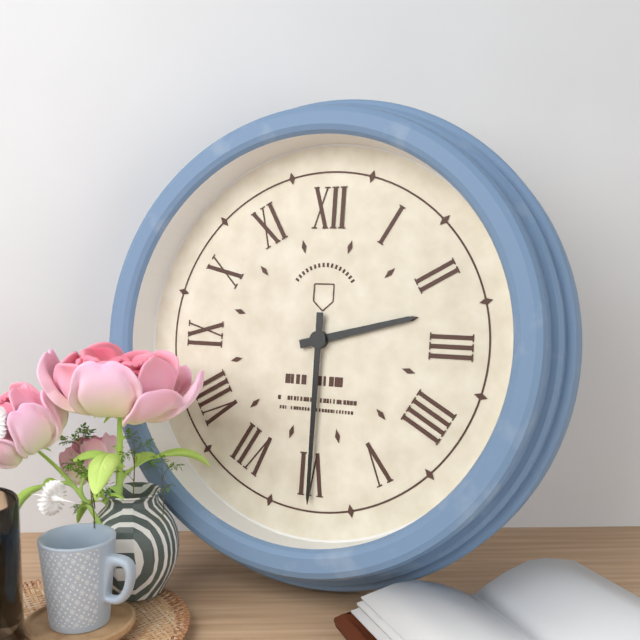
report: 2,30
